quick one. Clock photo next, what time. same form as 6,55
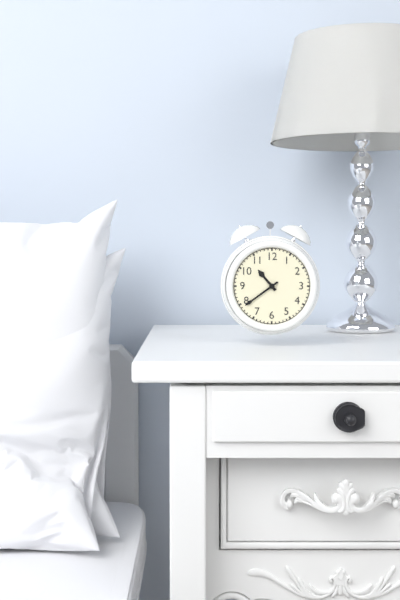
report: 10,39
